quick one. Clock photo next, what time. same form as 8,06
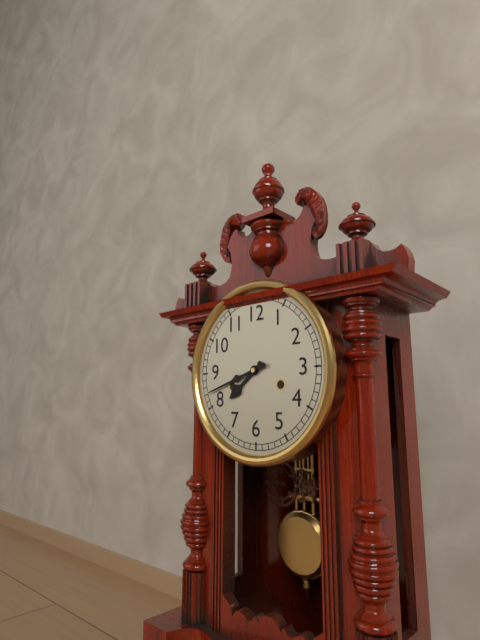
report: 7,42
